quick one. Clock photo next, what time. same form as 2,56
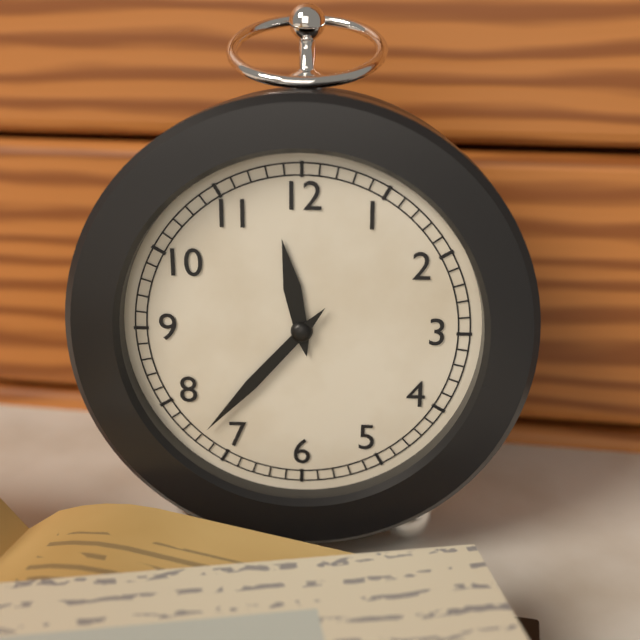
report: 11,37
